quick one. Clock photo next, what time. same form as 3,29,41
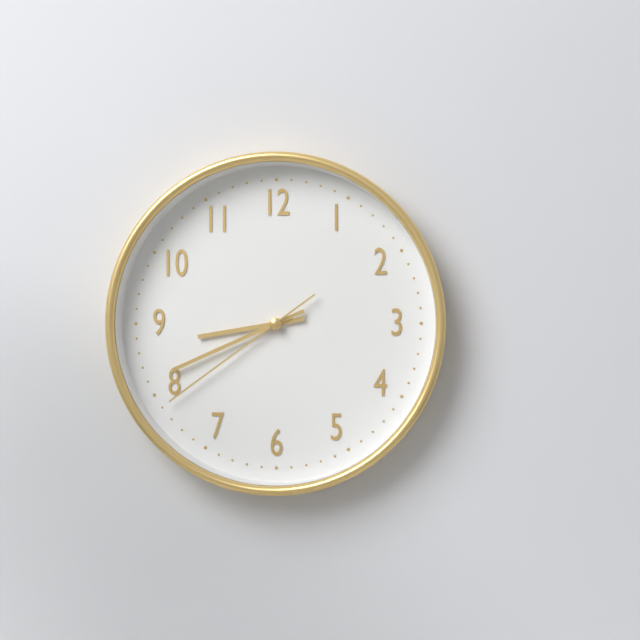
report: 8,41,39
